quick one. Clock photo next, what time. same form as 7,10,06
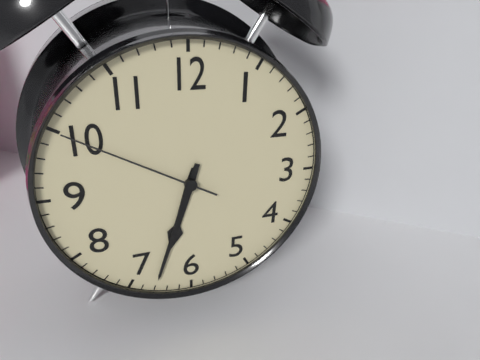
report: 6,33,50
